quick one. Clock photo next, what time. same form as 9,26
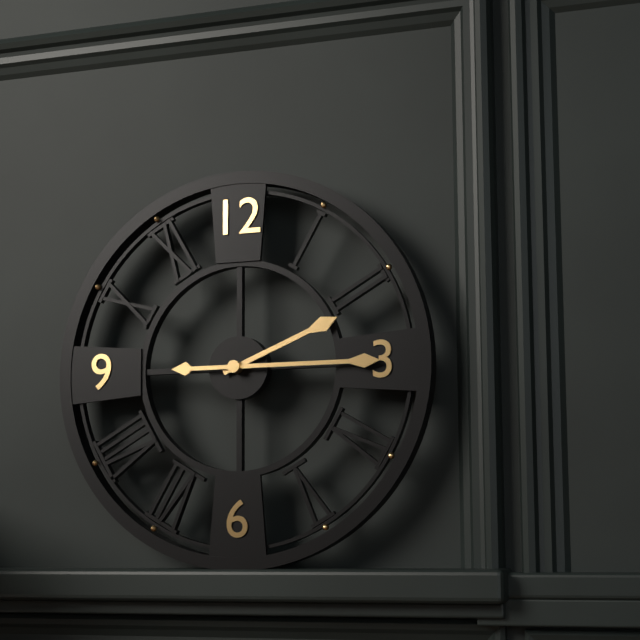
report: 2,15
